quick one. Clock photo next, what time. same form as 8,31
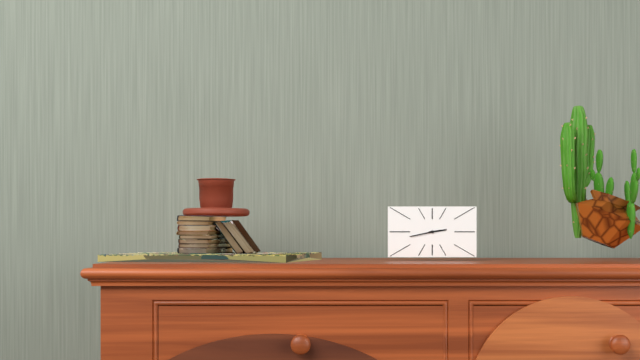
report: 2,43
